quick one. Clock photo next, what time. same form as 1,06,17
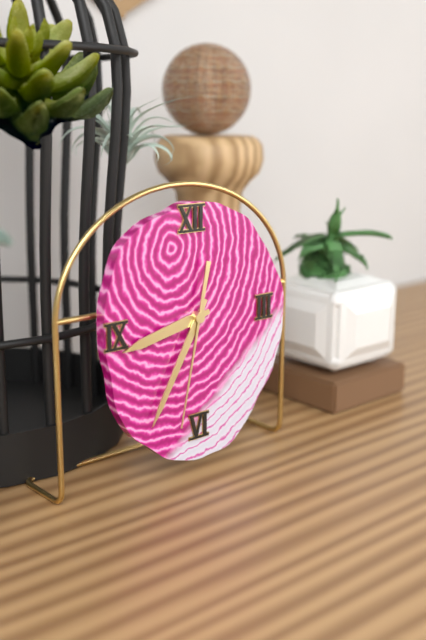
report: 8,35,32
